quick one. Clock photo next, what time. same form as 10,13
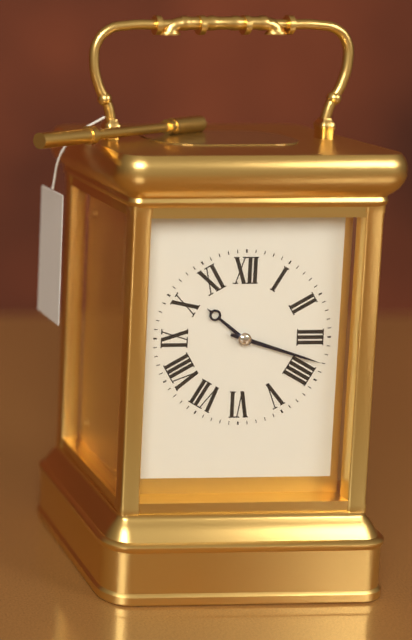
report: 10,18
